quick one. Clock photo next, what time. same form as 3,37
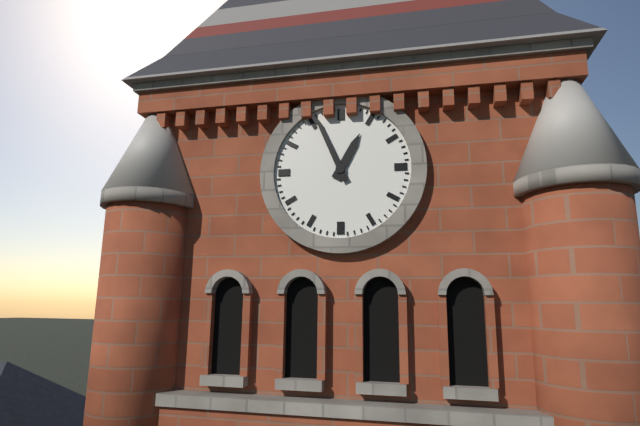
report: 12,56
